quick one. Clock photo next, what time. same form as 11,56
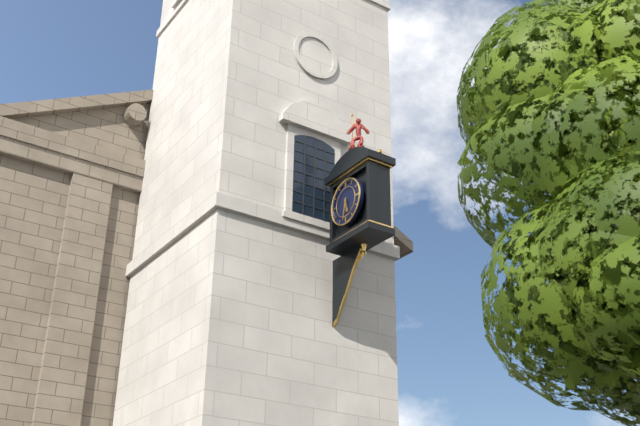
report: 5,32
